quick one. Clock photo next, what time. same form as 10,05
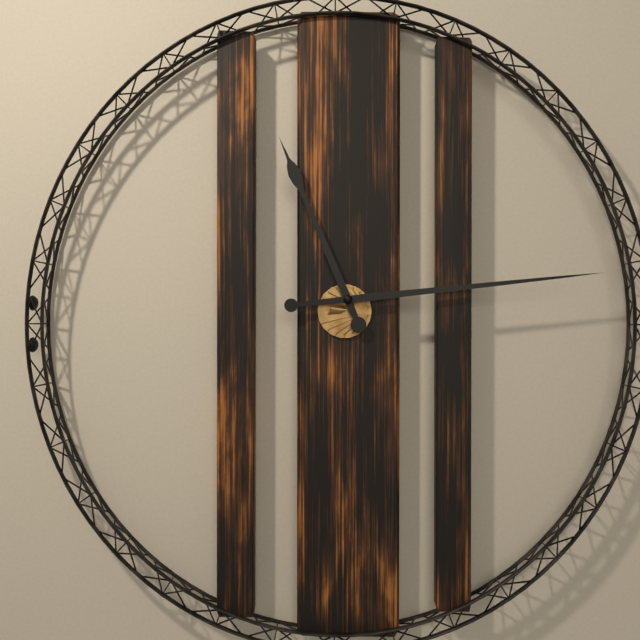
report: 11,14
